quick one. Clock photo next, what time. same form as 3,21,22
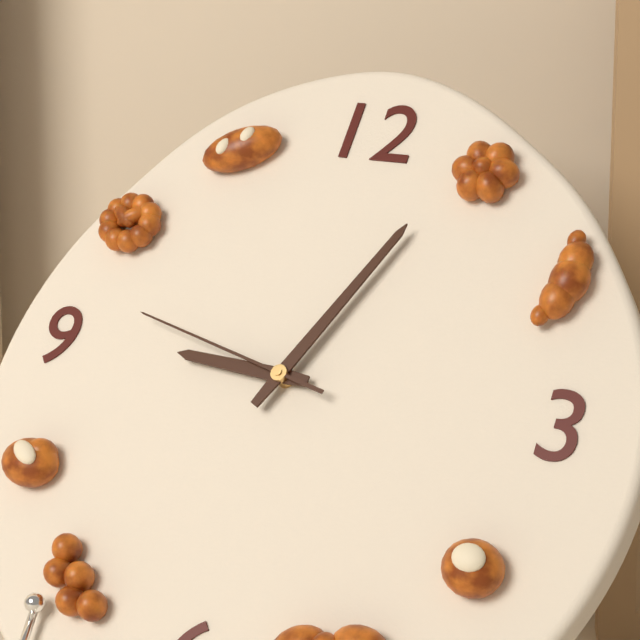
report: 9,04,47
